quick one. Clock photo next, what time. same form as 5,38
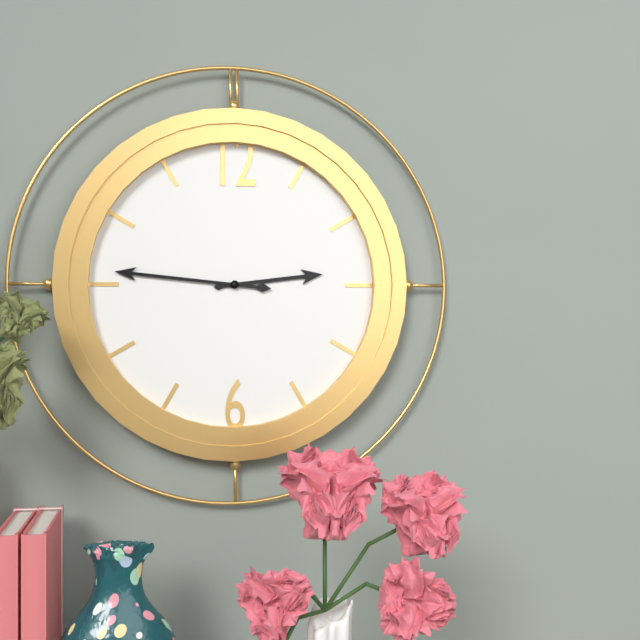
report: 2,46
